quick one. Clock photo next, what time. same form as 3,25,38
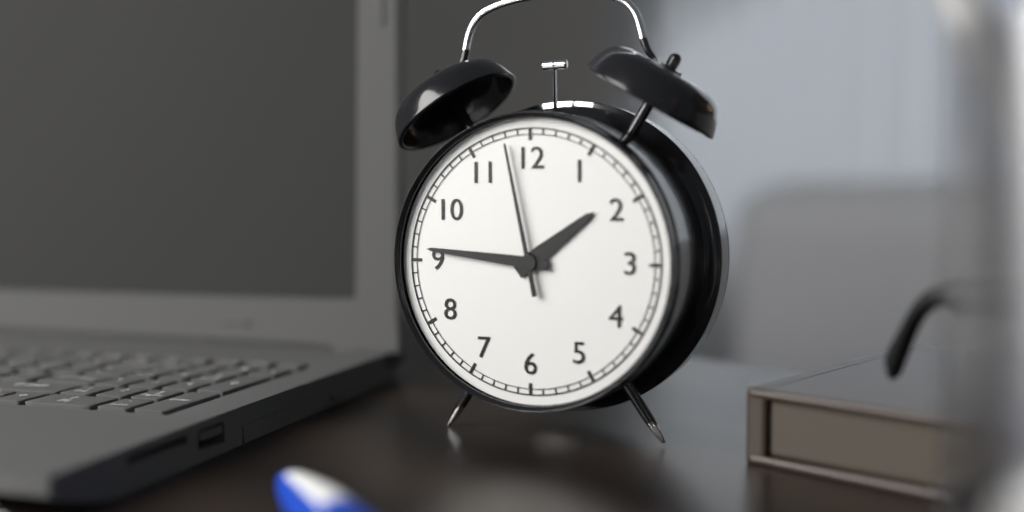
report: 1,46,58
